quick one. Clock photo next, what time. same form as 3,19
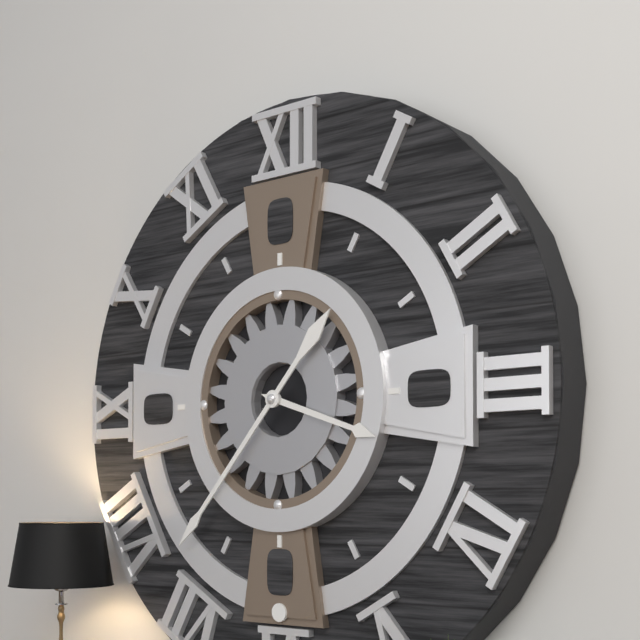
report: 3,37
